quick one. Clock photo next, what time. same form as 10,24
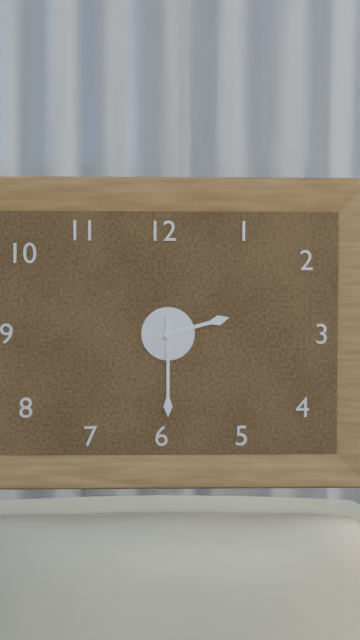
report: 2,30
